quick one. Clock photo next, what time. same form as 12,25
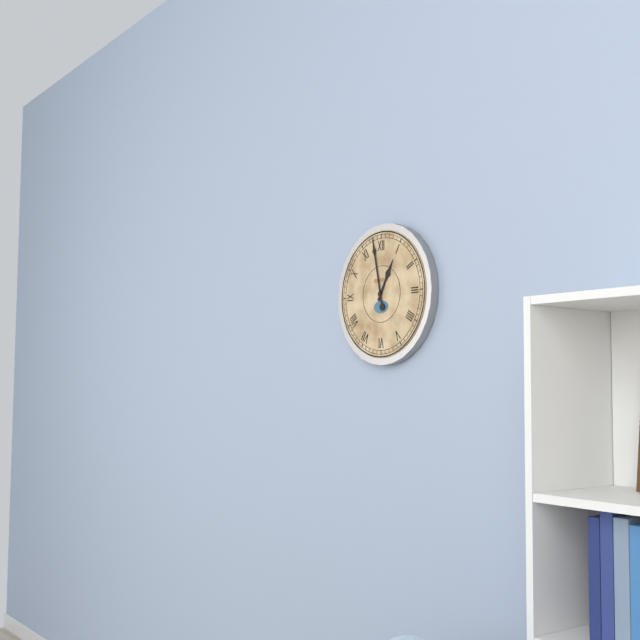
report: 12,58
